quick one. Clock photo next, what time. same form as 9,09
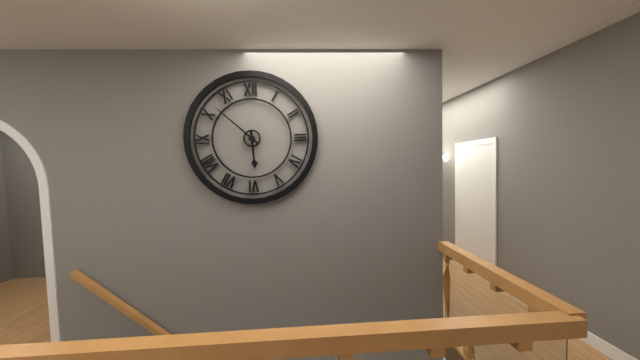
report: 5,52
